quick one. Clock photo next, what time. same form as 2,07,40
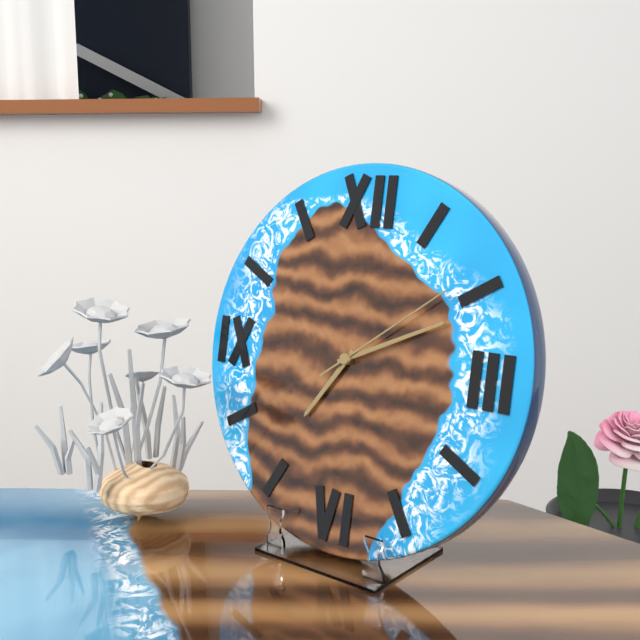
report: 7,11,09
